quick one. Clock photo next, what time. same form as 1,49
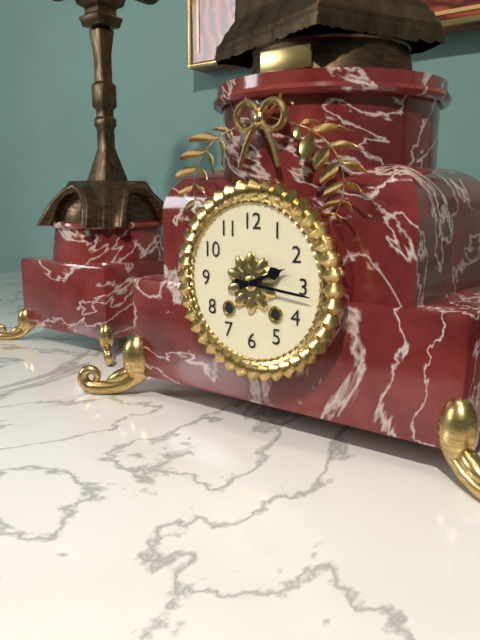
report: 2,16
